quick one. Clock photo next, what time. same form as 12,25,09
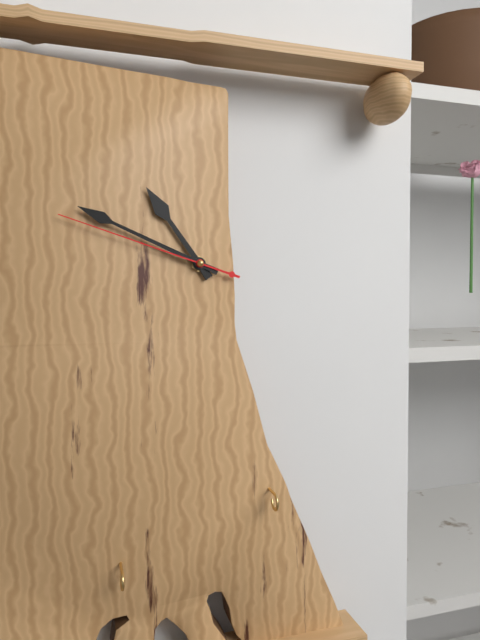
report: 10,49,48
